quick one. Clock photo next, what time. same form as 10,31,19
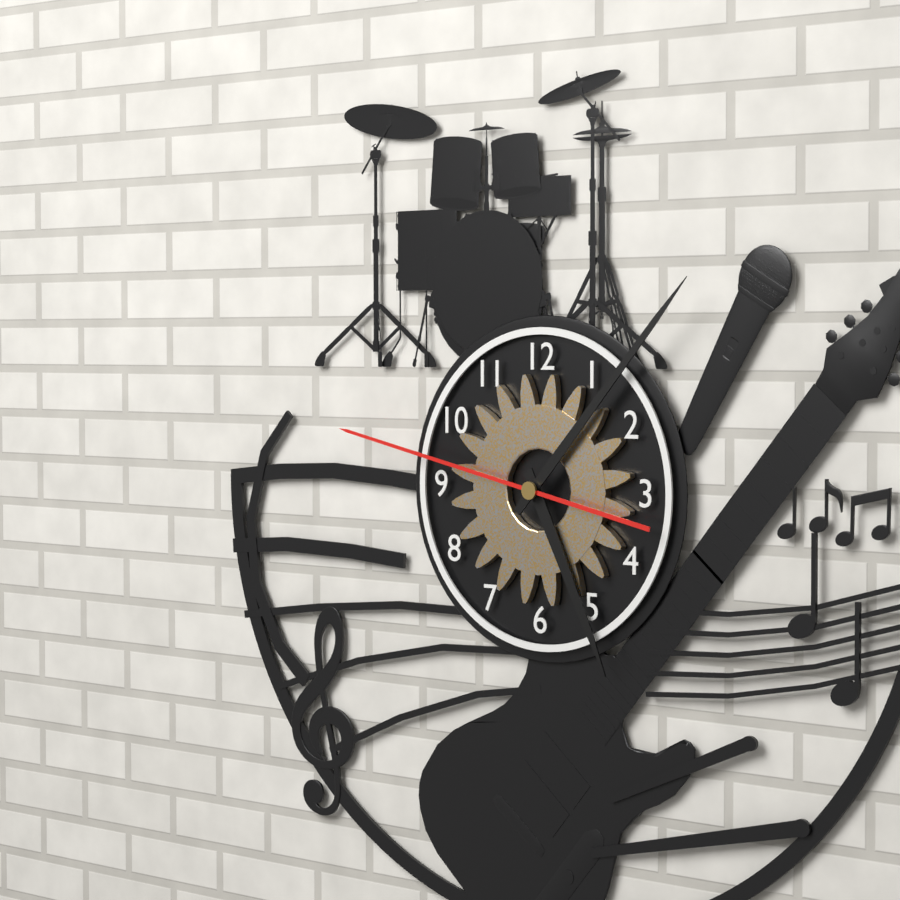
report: 5,07,47
